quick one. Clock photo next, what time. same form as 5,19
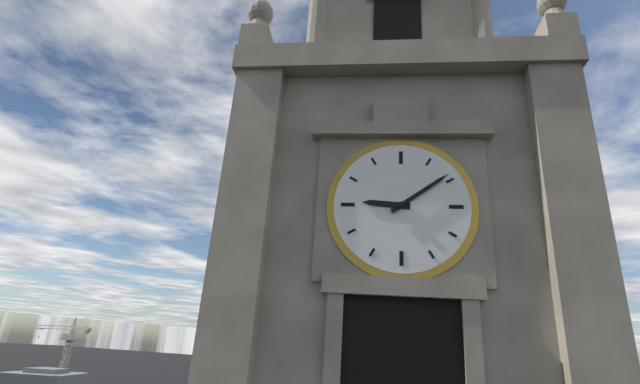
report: 9,09
